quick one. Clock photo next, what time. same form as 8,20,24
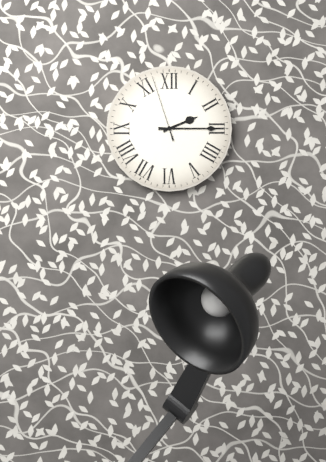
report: 2,15,57
